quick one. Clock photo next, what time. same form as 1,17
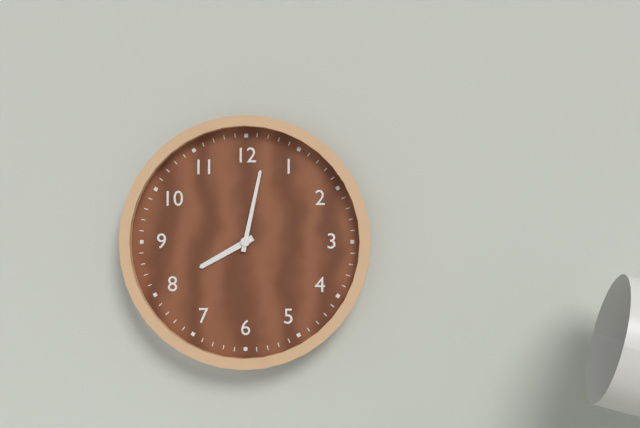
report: 8,02
